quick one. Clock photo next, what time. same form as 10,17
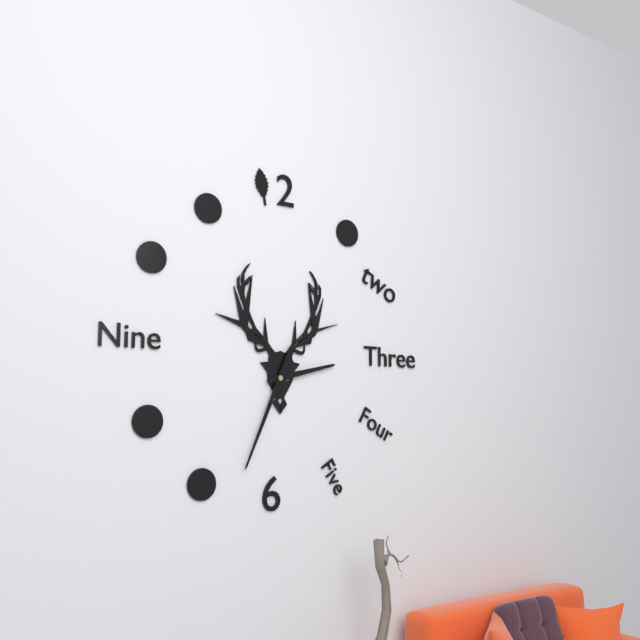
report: 2,34
